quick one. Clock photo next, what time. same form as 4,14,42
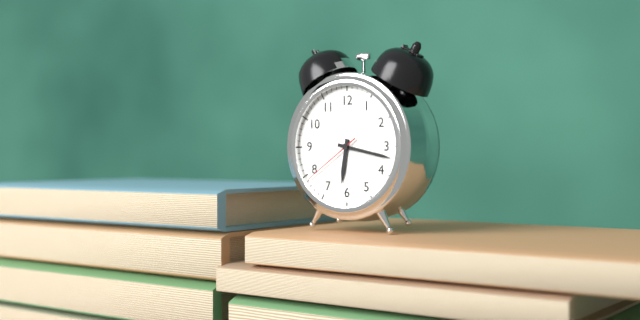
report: 6,17,39
